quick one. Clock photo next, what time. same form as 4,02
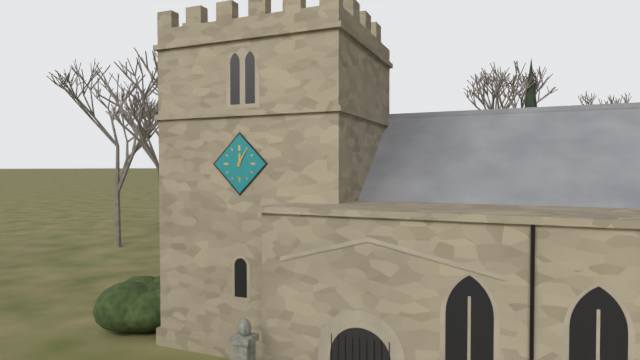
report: 12,05
